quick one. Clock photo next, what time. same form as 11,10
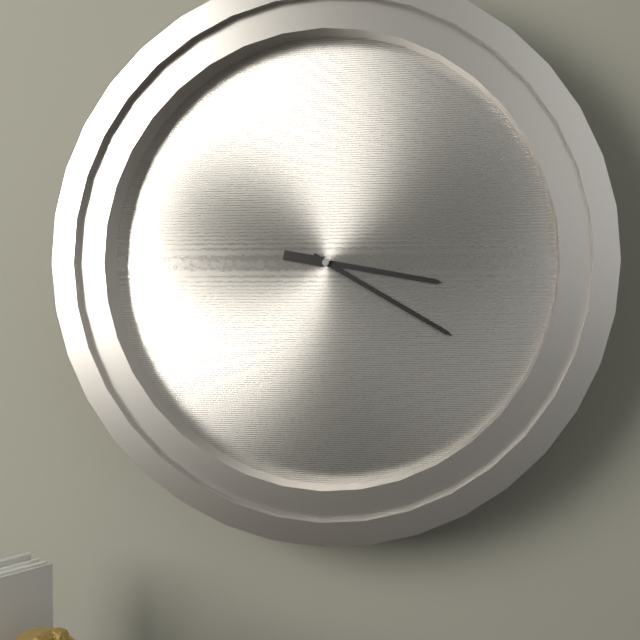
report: 3,20
